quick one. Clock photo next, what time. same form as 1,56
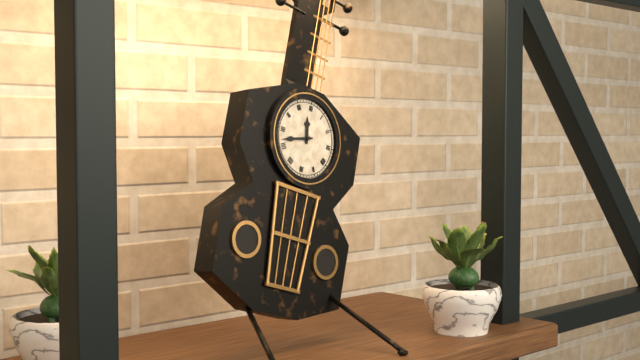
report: 11,42
